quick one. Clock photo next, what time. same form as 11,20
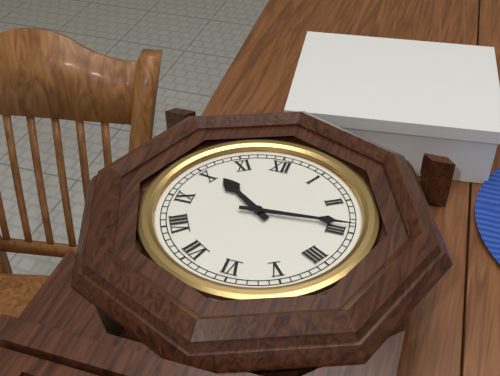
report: 10,14
